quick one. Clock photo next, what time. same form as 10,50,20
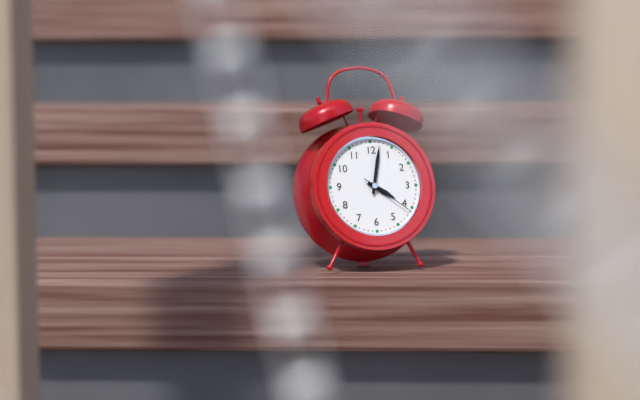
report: 4,02,21
